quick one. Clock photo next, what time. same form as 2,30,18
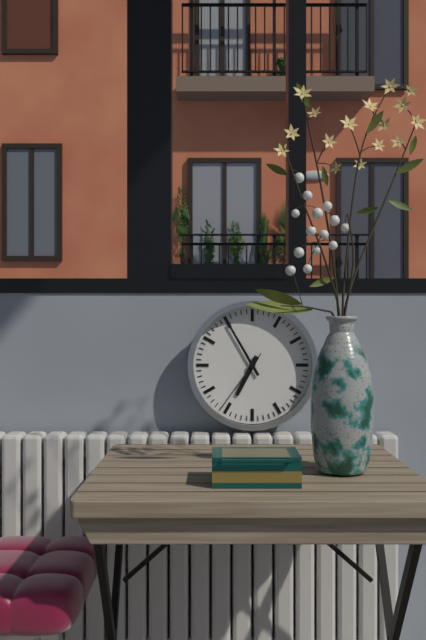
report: 6,55,36
